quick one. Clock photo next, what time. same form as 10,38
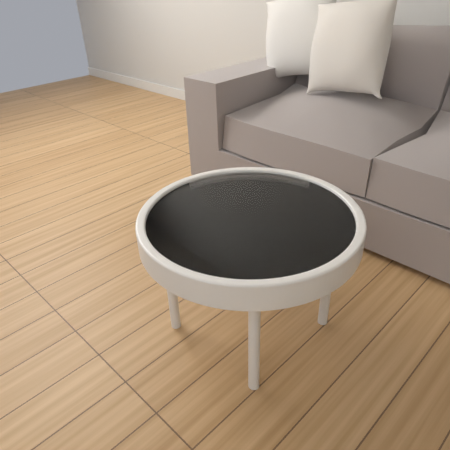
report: 5,53
